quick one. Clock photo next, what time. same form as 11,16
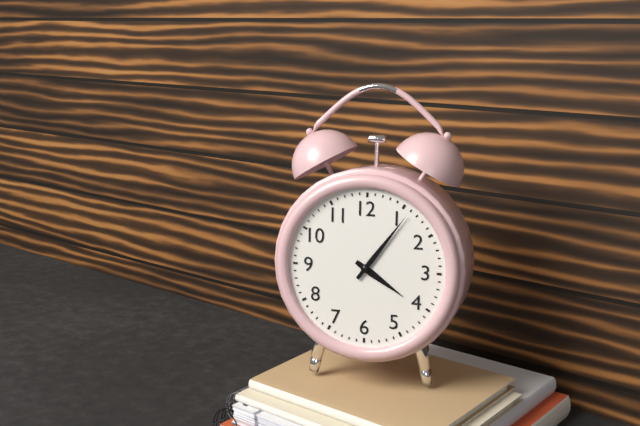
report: 4,06
